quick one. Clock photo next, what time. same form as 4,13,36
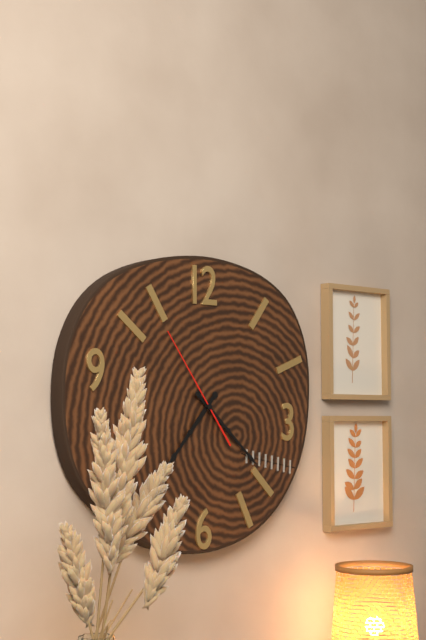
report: 7,22,54
